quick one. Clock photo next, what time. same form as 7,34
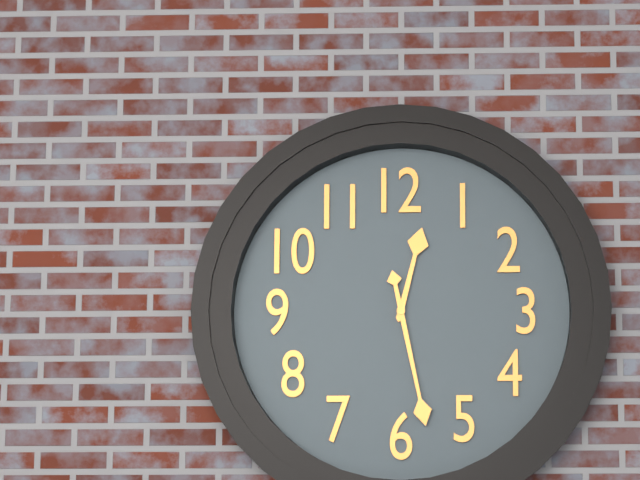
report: 12,28
